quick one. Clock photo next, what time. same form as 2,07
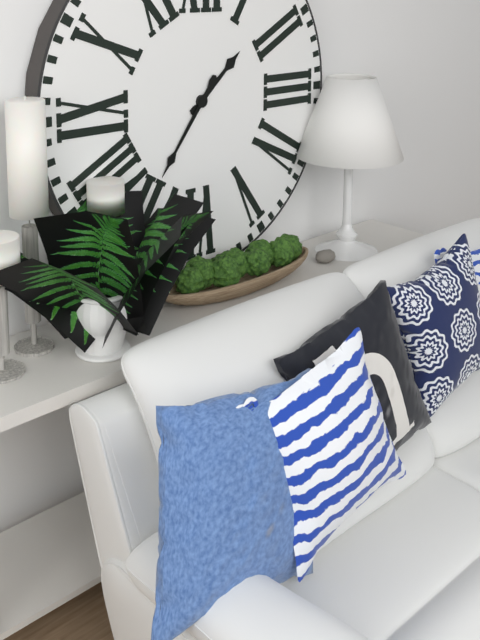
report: 1,36
